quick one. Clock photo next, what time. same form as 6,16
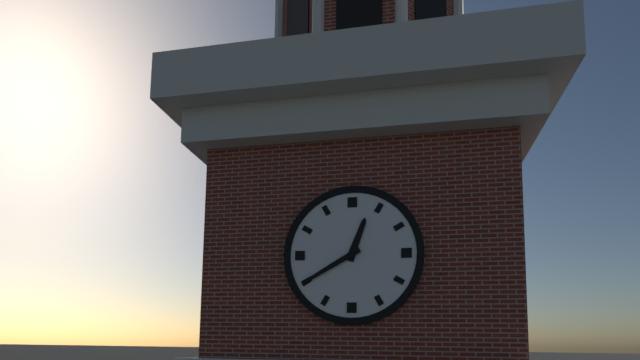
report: 12,40
